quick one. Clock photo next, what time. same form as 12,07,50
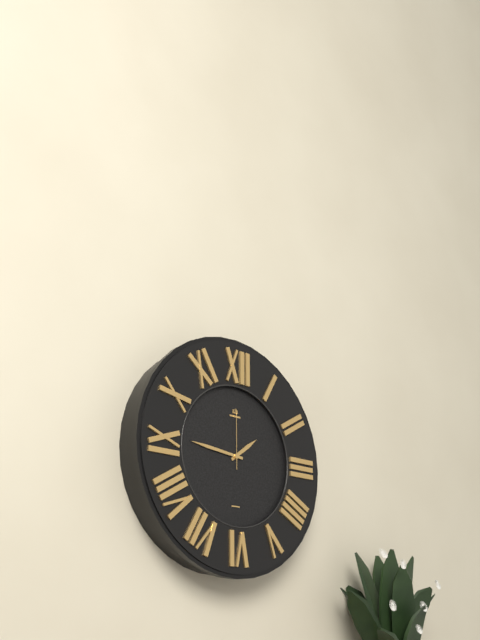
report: 1,46,00
